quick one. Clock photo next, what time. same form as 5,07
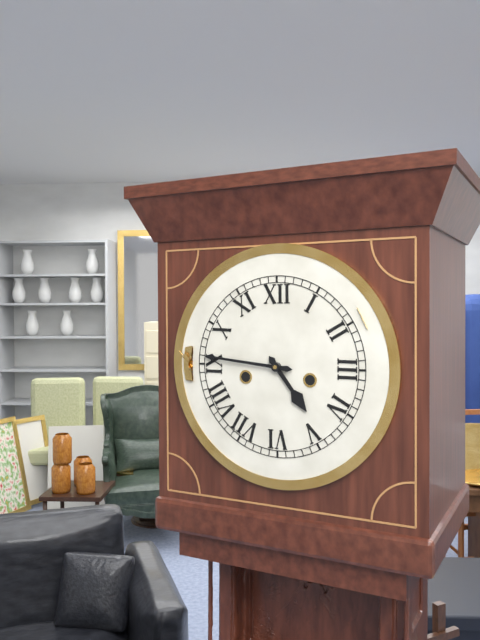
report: 4,46
